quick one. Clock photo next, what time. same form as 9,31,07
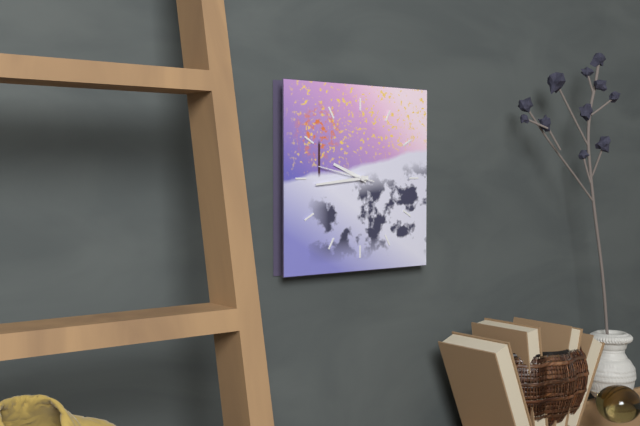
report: 9,44,47
